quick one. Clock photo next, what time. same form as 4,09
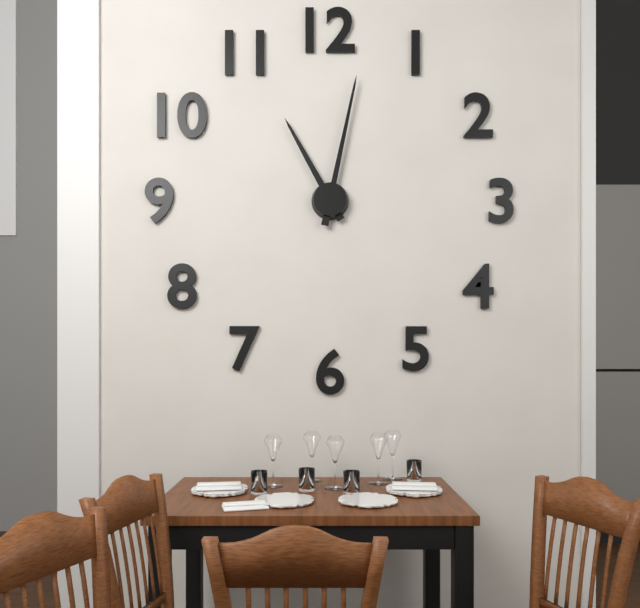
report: 11,02
